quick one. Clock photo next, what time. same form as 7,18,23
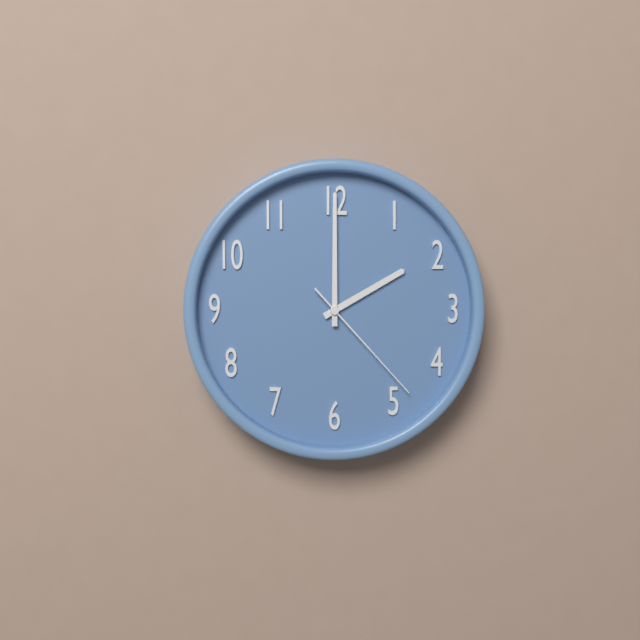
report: 2,00,23
